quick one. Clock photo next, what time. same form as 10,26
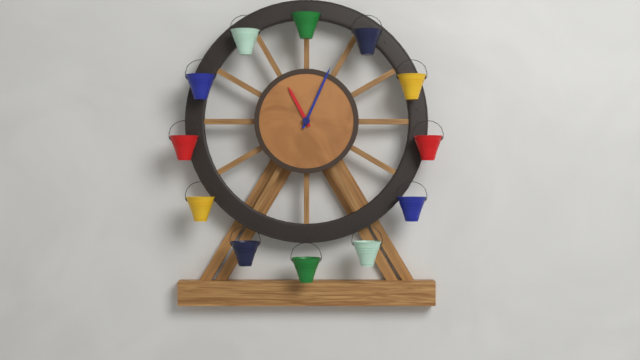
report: 11,04
